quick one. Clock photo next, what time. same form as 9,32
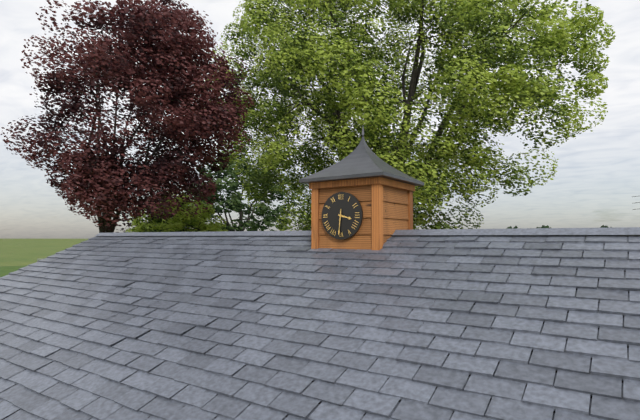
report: 3,31
